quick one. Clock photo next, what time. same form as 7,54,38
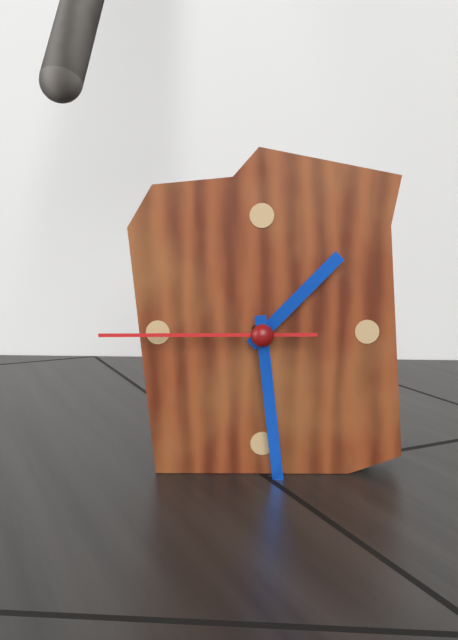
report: 1,29,45
